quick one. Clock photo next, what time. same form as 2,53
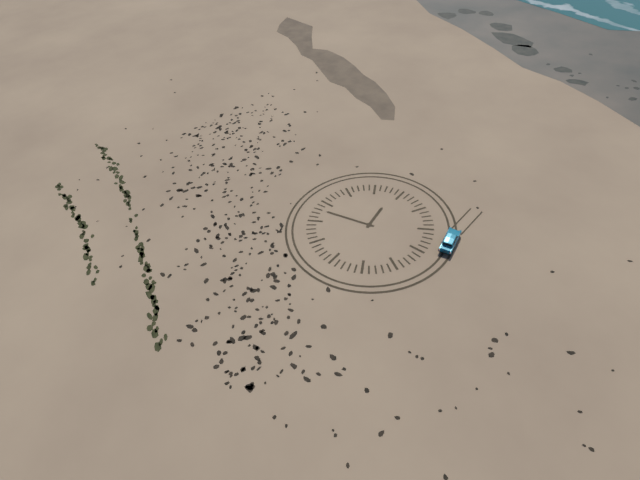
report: 11,43
